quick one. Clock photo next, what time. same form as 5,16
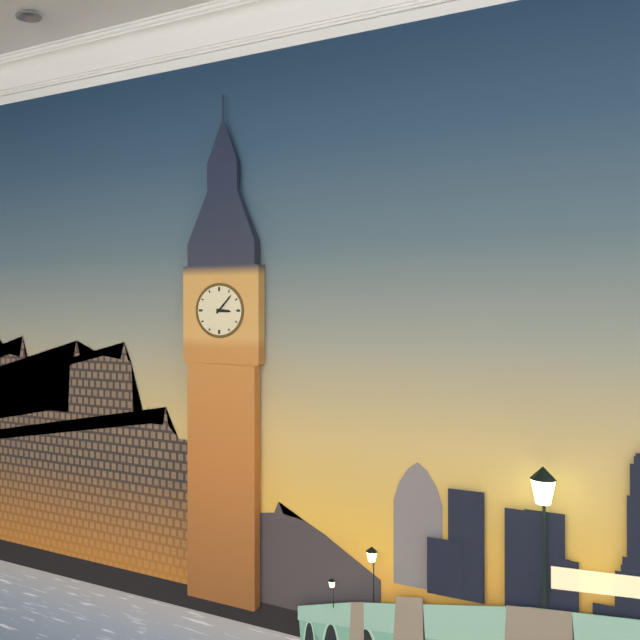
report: 3,07
